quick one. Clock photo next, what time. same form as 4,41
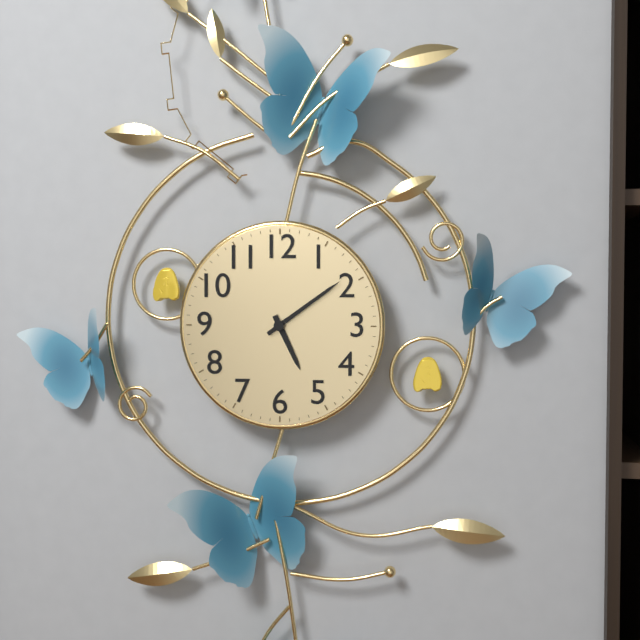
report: 5,09
